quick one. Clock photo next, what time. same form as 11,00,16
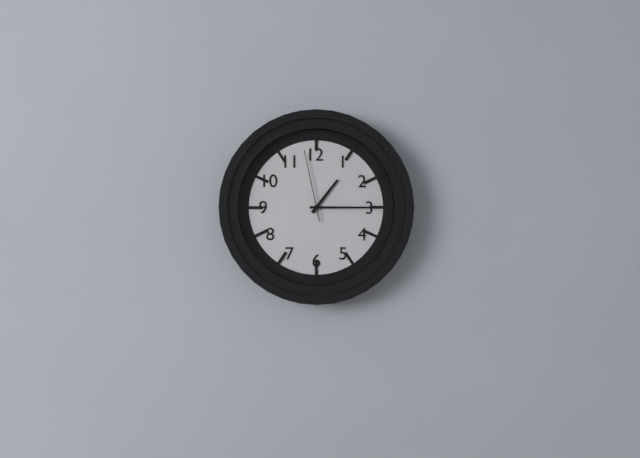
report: 1,15,58
